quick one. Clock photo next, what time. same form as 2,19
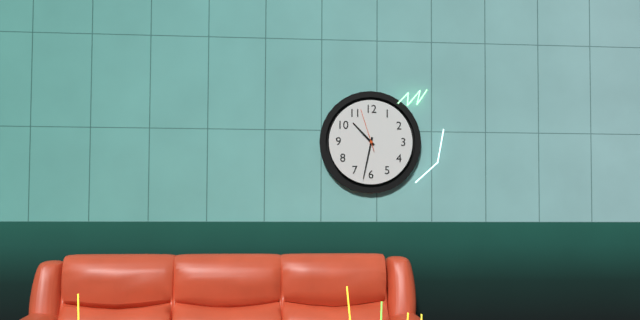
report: 10,32
